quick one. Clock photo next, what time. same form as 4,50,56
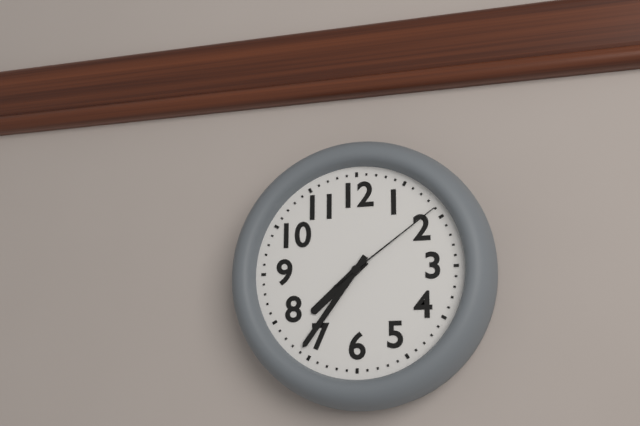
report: 7,36,09
